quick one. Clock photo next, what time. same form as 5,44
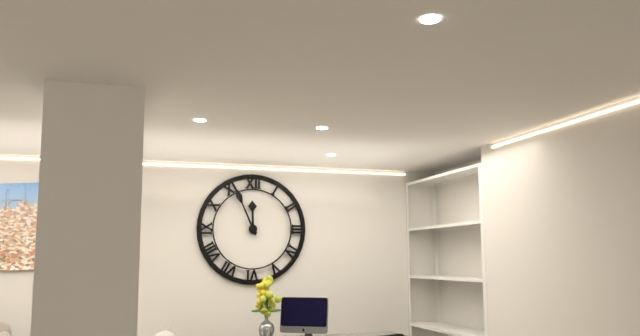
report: 11,56
